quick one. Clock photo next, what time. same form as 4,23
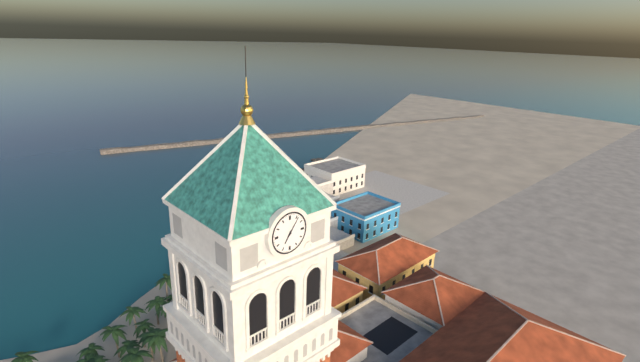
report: 7,06
